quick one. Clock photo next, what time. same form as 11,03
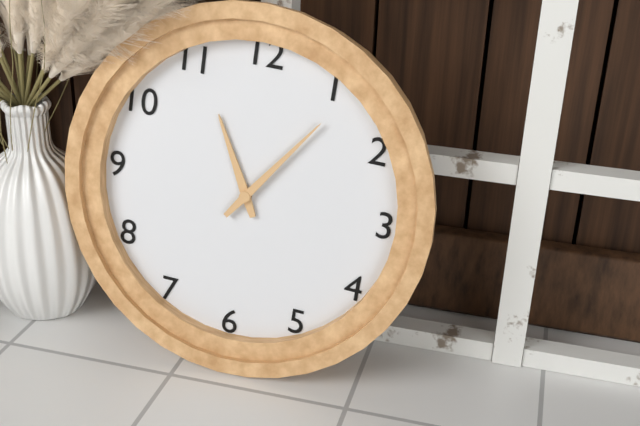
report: 11,06
